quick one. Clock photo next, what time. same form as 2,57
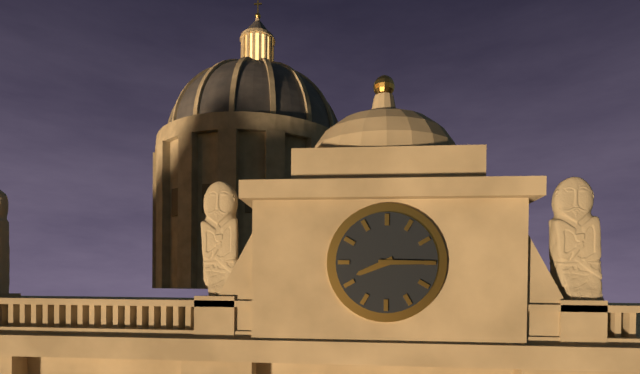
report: 8,15
